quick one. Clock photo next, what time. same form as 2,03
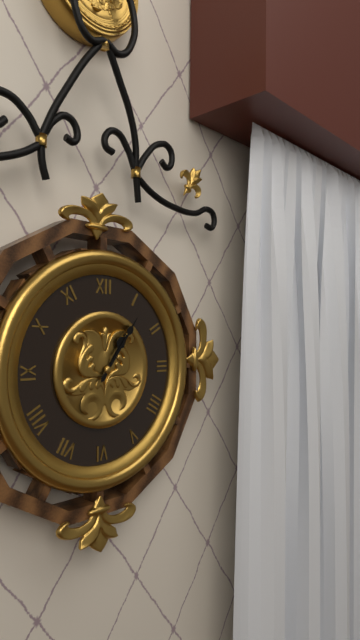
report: 1,06
